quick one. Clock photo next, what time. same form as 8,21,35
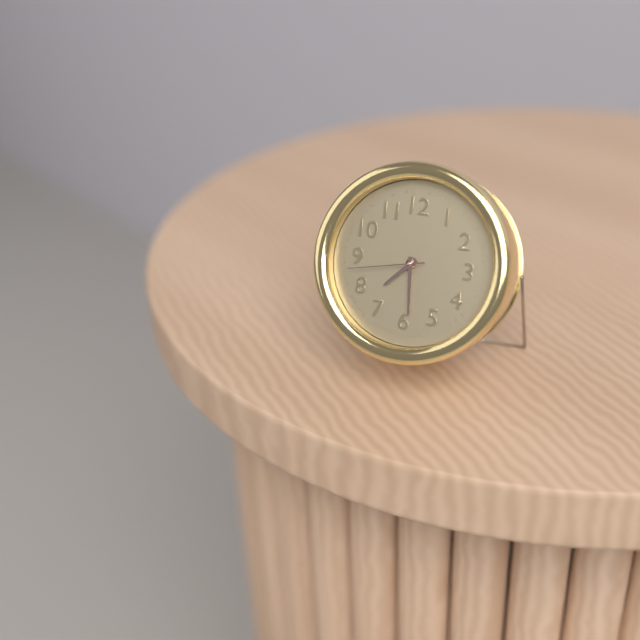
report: 7,29,43
